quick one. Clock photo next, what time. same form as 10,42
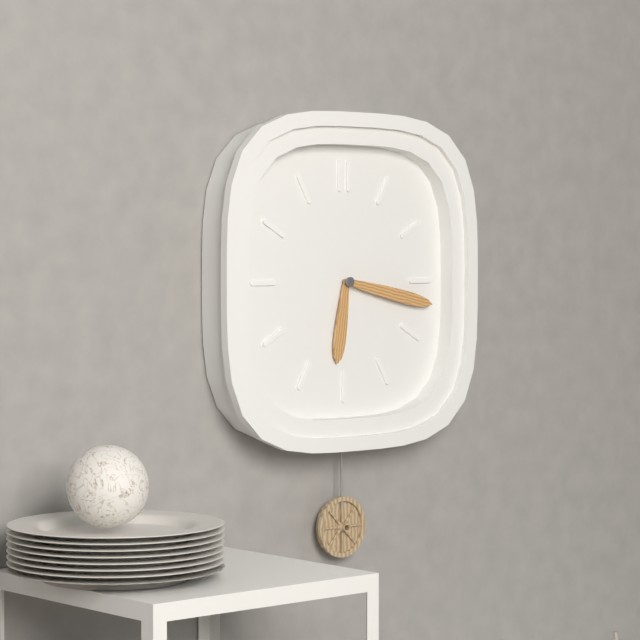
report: 6,17
